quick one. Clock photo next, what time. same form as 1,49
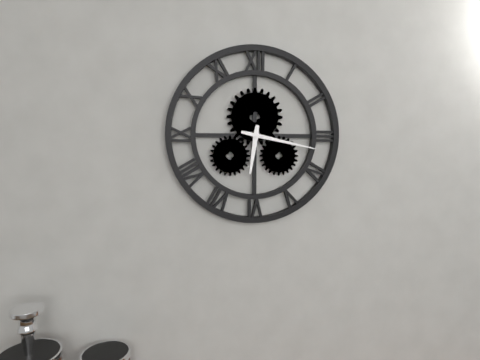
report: 6,17
